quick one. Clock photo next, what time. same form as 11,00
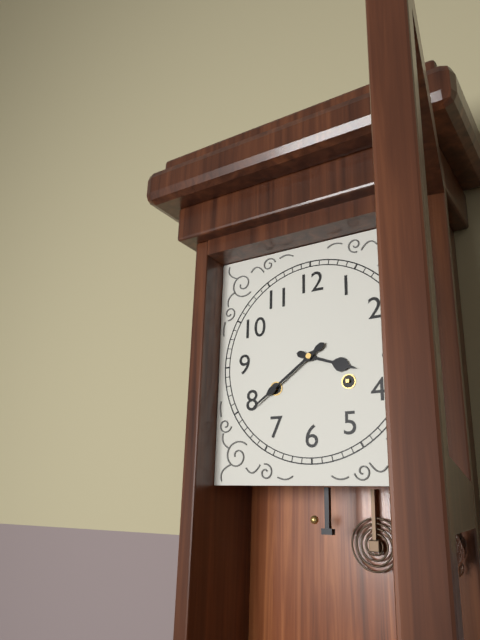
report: 3,39
